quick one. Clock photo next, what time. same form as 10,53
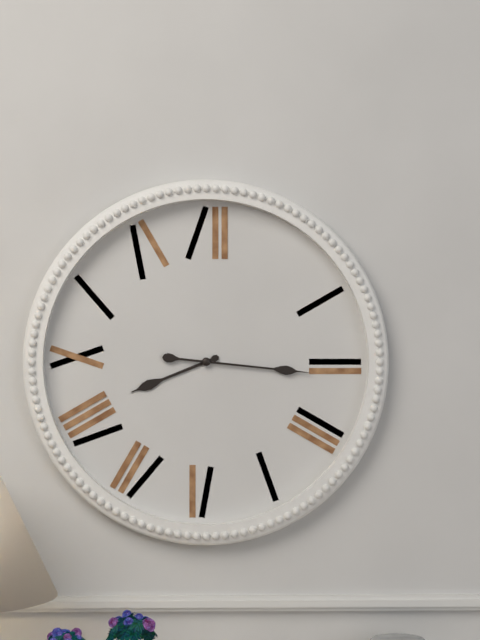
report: 8,16
